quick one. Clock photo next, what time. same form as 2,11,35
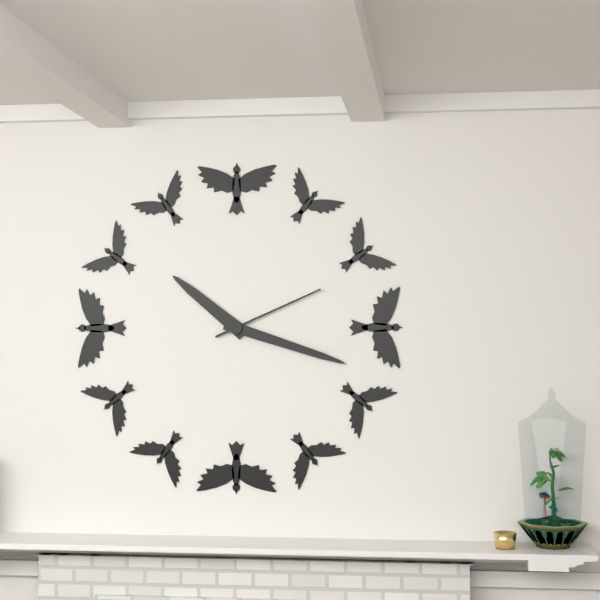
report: 10,18,11
